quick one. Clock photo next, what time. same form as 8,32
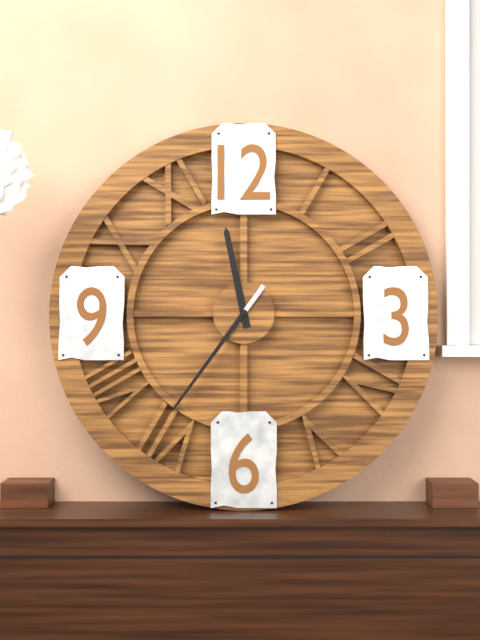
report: 11,36
